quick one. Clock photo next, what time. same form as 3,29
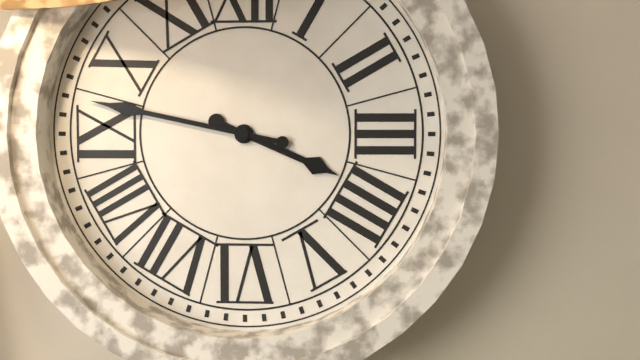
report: 3,47
